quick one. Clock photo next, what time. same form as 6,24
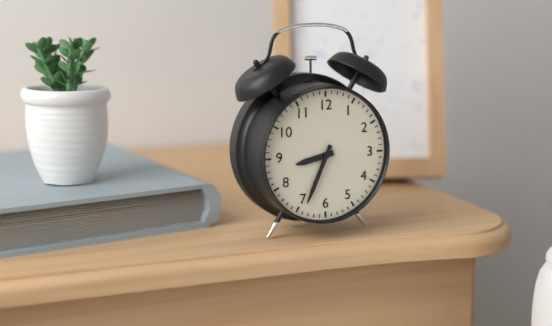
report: 8,34
